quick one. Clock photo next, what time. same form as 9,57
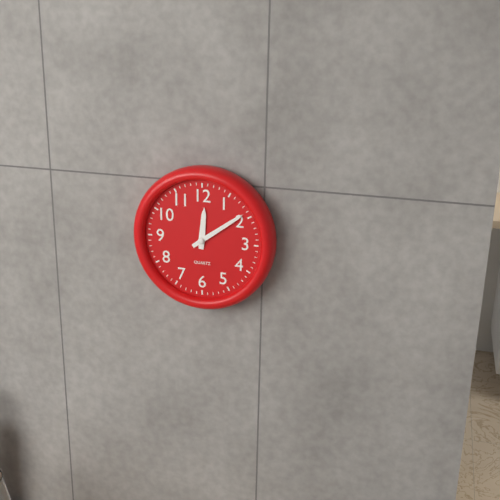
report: 12,09
